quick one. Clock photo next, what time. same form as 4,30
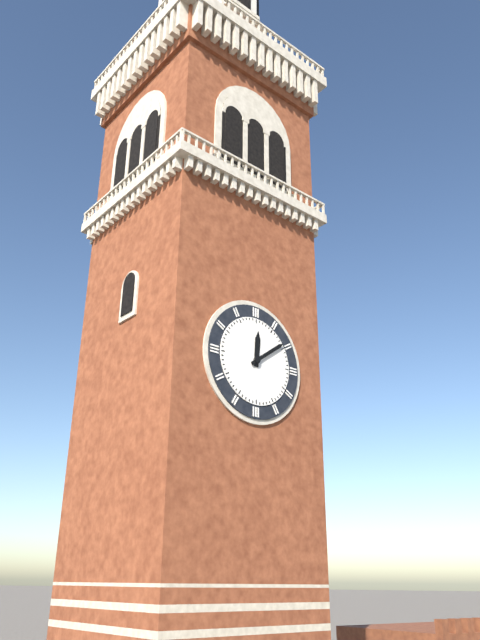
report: 12,09
